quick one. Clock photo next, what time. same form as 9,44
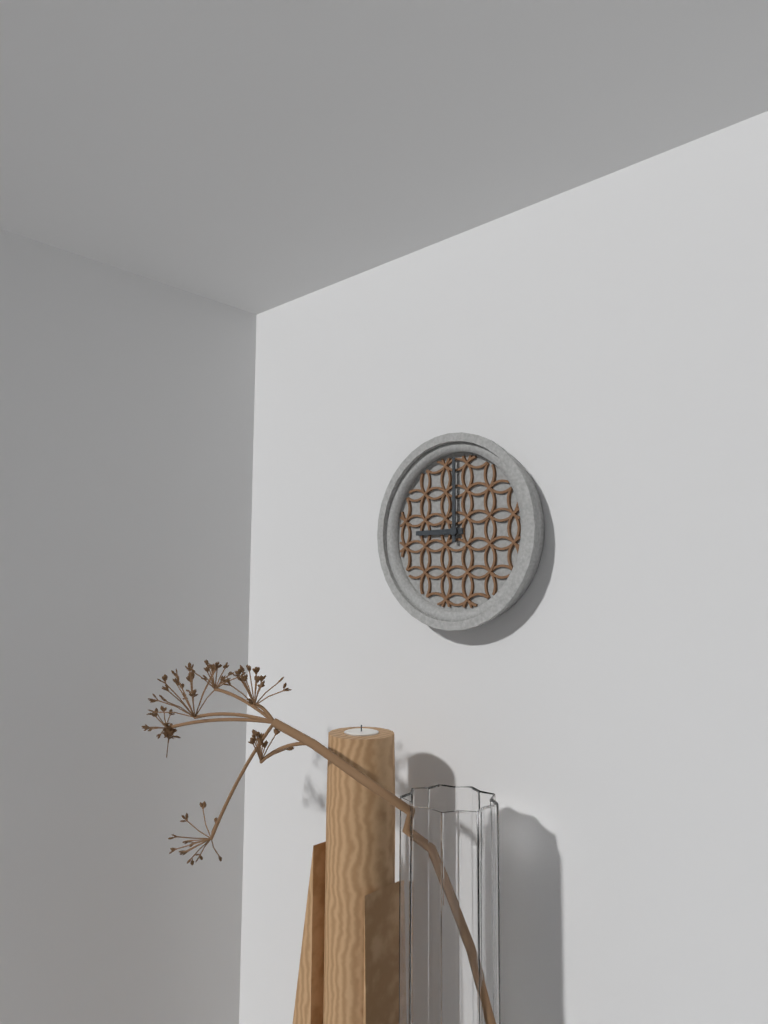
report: 9,00
